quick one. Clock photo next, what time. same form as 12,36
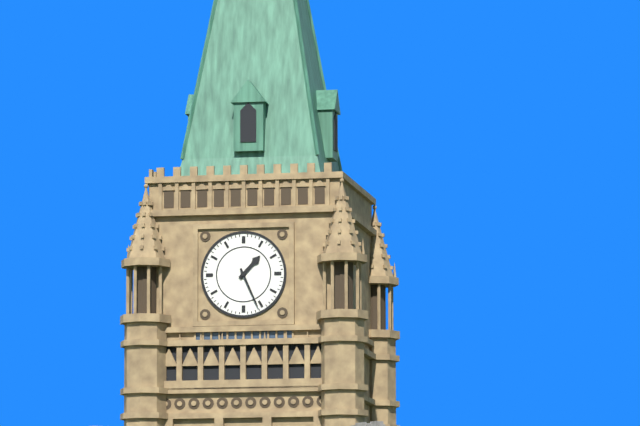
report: 1,26
